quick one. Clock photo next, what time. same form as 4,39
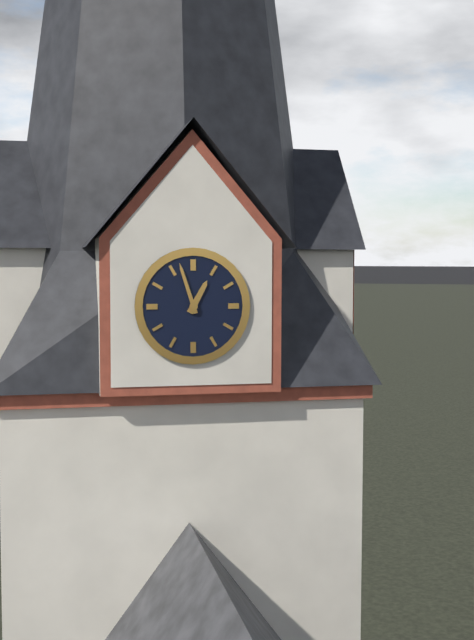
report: 12,57
